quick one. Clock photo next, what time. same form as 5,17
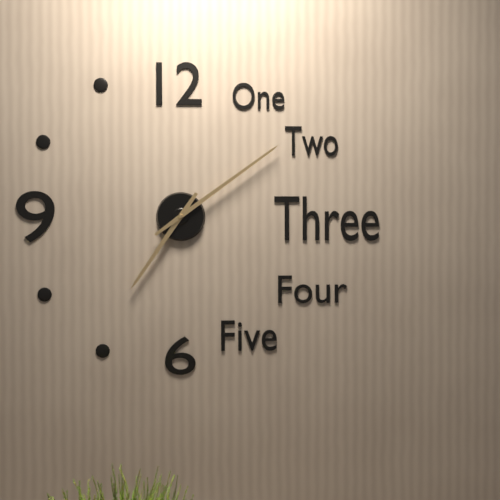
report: 7,09
